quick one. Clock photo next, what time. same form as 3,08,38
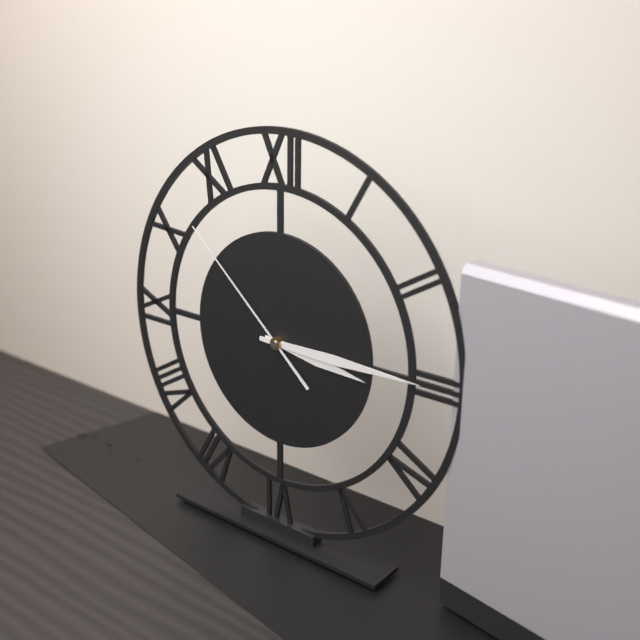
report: 3,15,52
